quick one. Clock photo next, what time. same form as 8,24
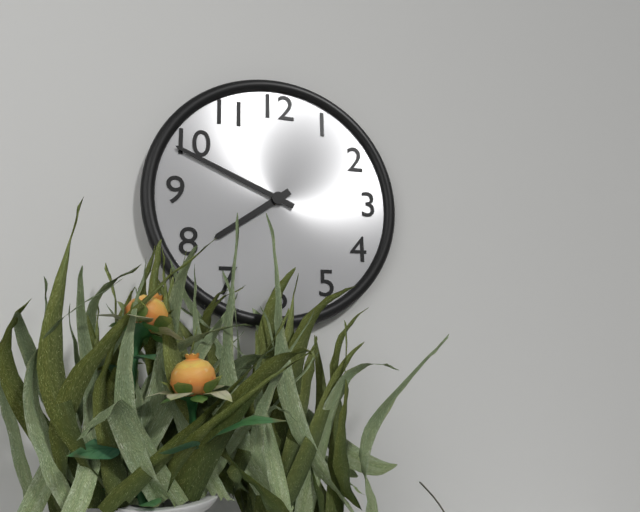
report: 7,49
